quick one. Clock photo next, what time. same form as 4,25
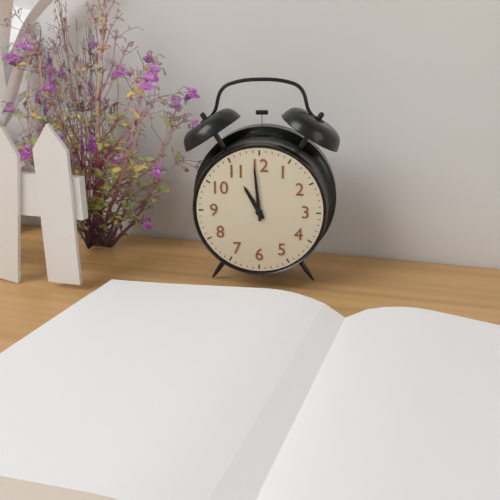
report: 10,59
